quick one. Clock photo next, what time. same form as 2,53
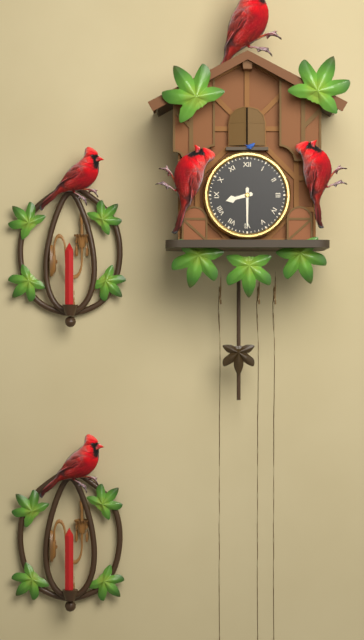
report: 8,30
